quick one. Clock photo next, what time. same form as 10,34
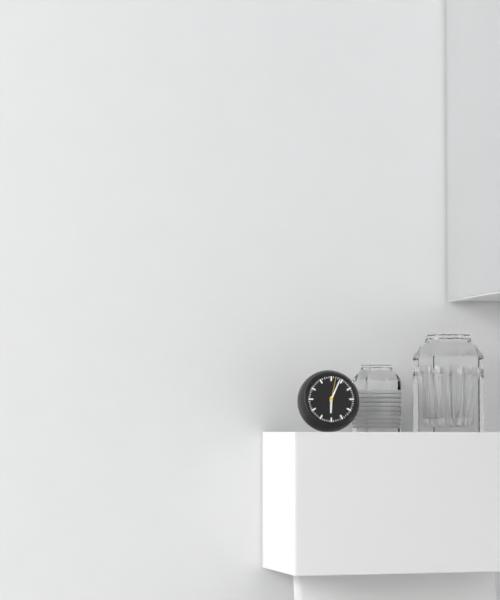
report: 6,04
